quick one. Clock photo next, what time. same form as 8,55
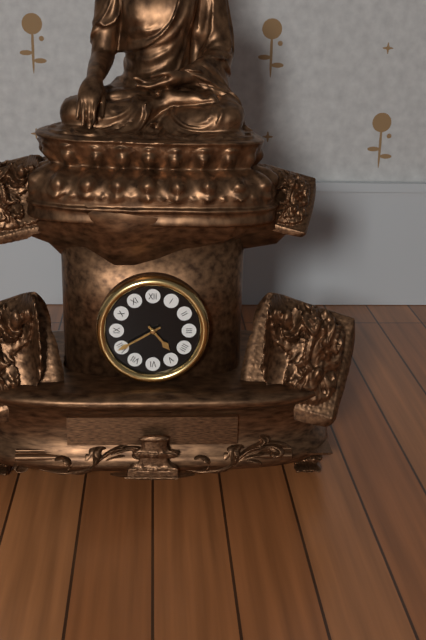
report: 4,40
